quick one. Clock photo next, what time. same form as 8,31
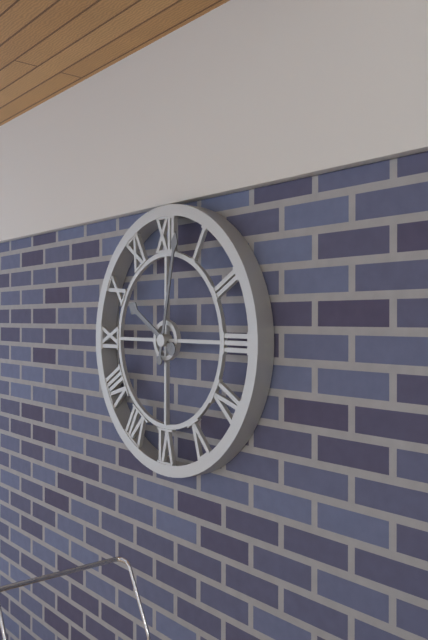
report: 10,02
